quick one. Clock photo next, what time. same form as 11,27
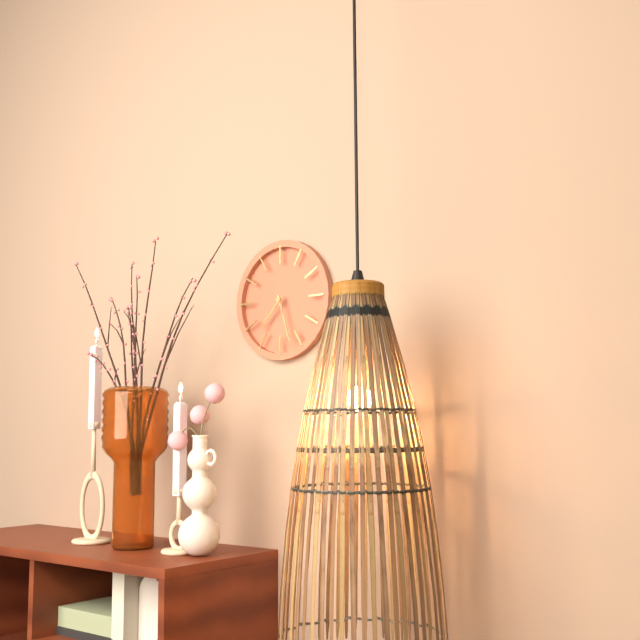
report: 7,27
